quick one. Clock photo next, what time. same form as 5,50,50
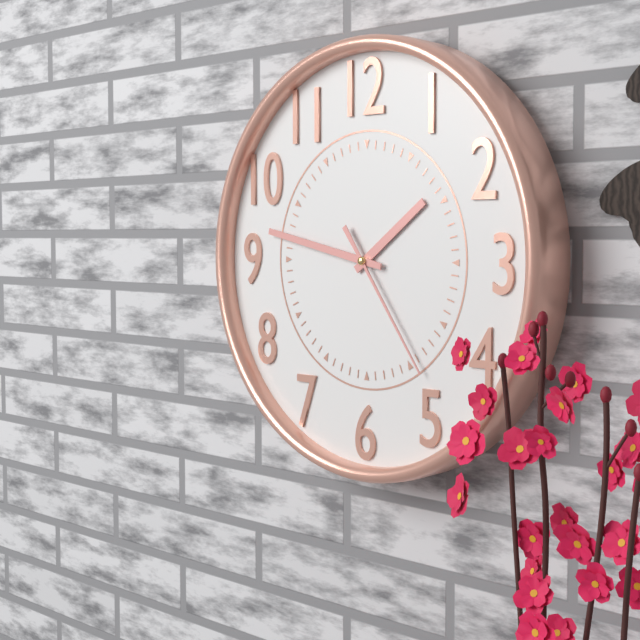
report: 1,47,24
